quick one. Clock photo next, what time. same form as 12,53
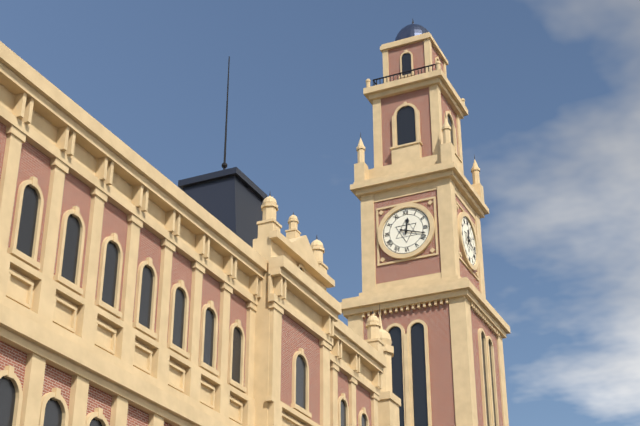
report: 12,18
